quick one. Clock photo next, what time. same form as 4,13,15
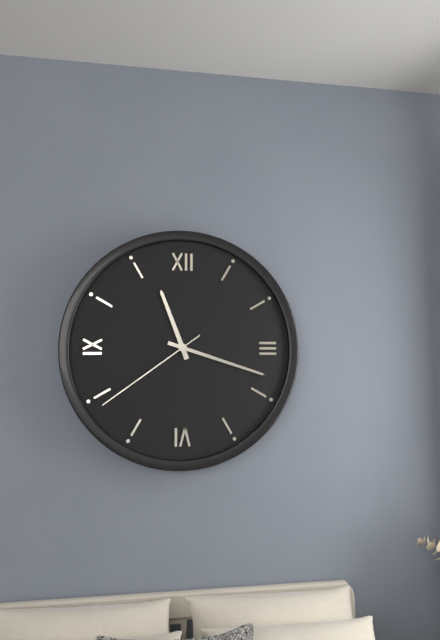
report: 11,18,39
